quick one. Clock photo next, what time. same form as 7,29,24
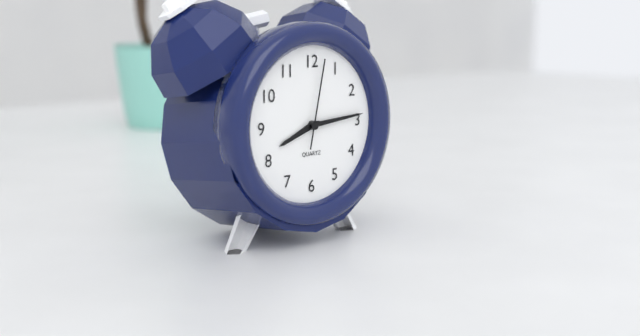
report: 8,14,02
